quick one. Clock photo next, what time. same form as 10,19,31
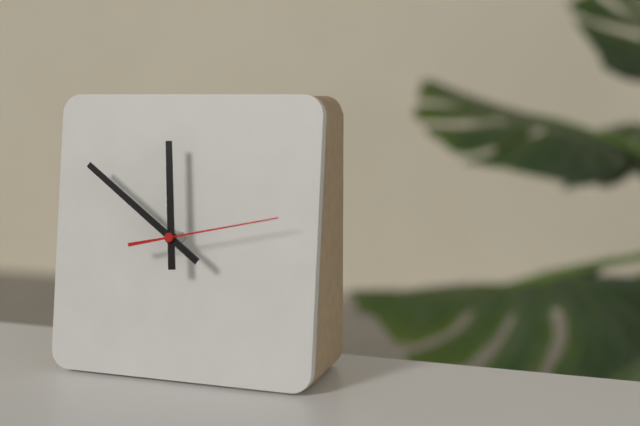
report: 11,51,13
